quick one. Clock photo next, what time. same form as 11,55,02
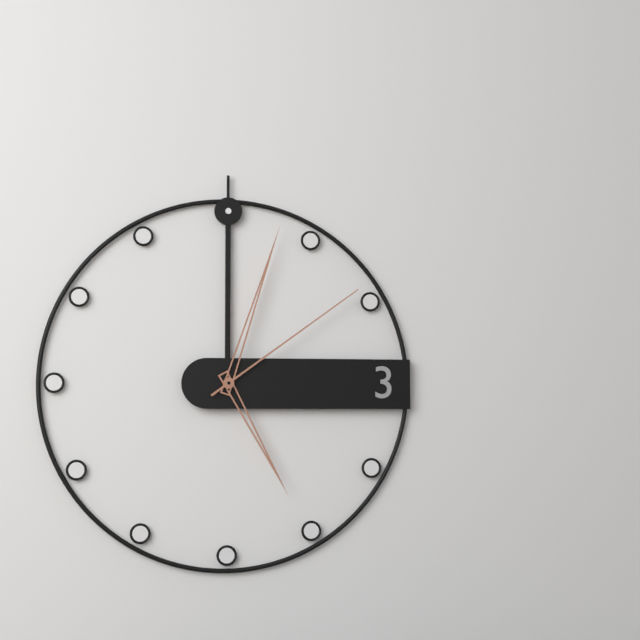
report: 5,03,09
